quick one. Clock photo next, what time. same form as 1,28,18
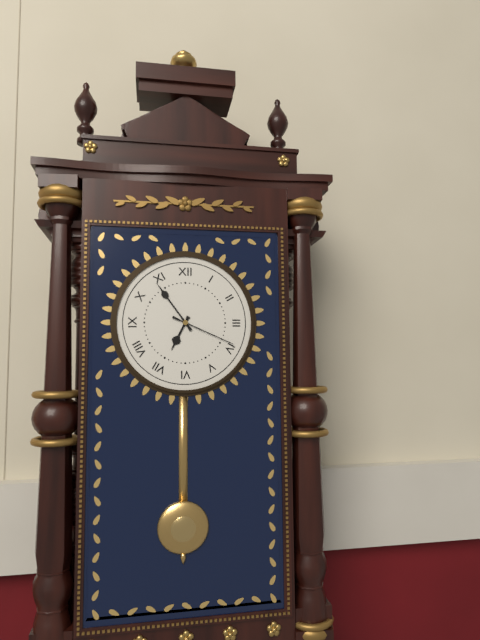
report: 6,54,19
